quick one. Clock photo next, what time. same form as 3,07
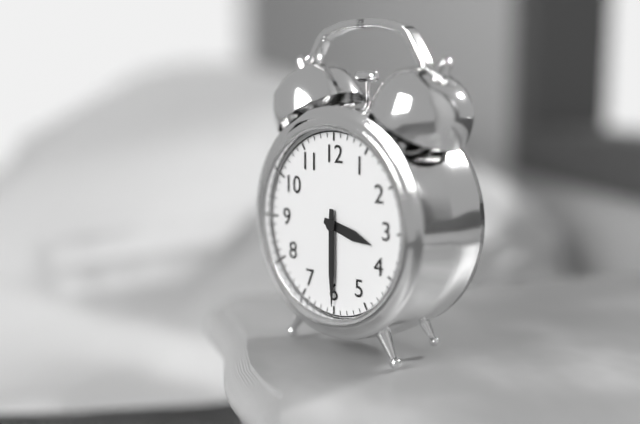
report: 3,30
